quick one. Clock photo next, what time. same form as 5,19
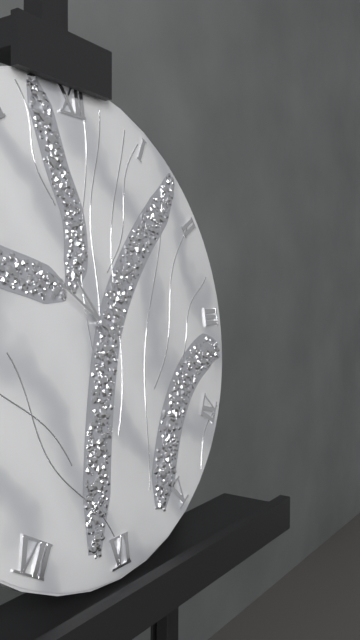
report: 10,51
